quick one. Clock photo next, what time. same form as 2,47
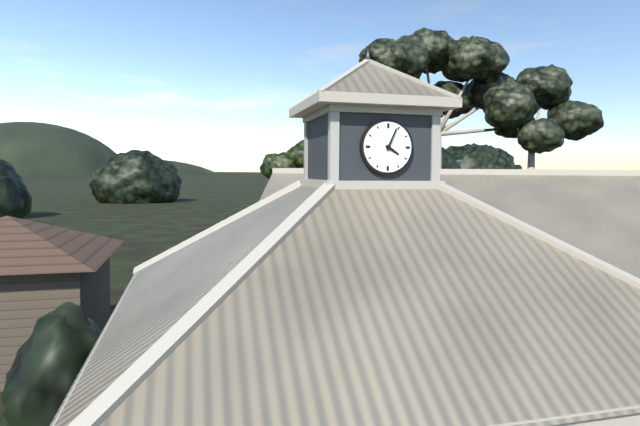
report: 4,04
